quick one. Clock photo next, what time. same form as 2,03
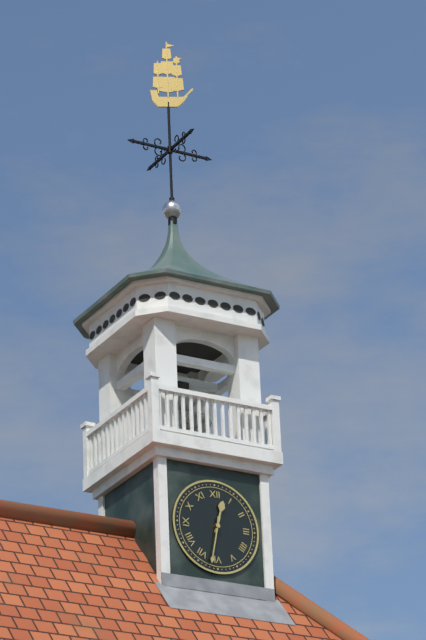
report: 12,32
